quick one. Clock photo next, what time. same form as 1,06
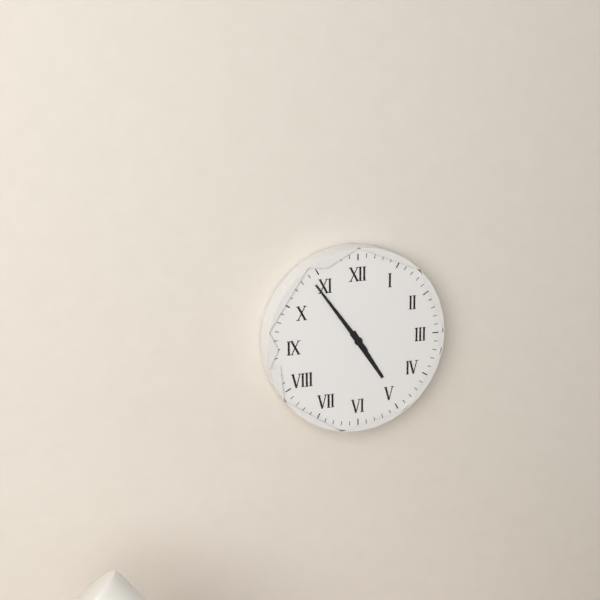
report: 4,54
